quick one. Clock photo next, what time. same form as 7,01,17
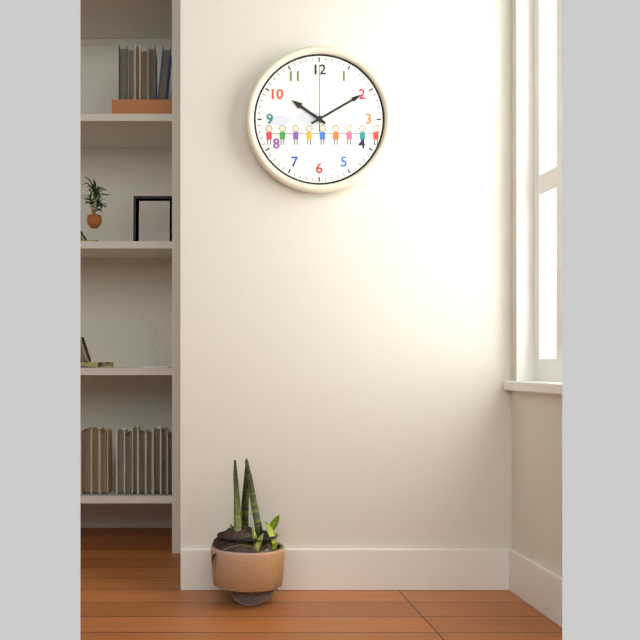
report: 10,10,00
